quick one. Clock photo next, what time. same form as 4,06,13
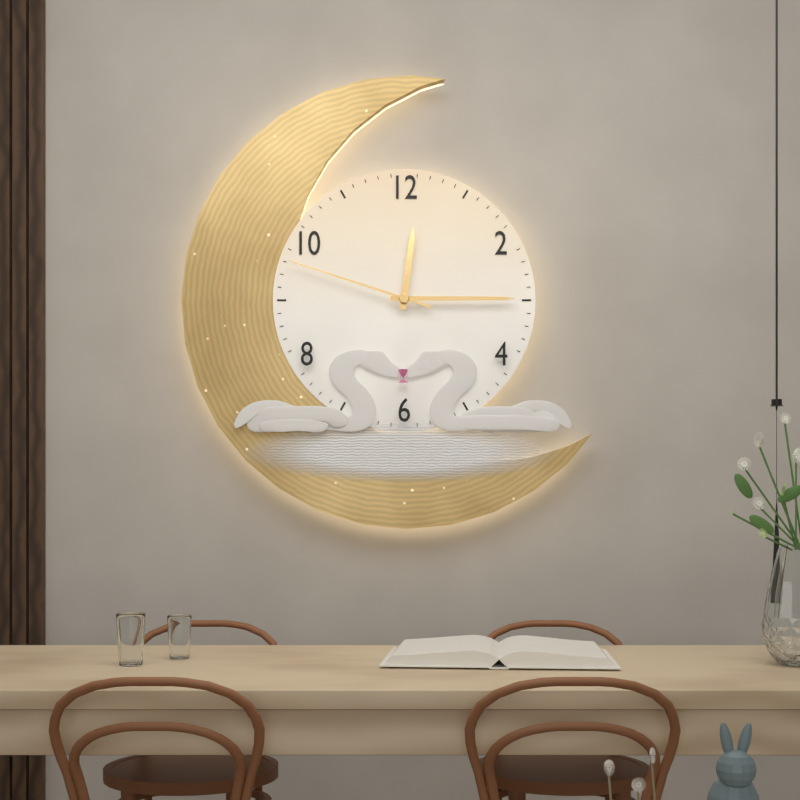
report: 12,15,48
